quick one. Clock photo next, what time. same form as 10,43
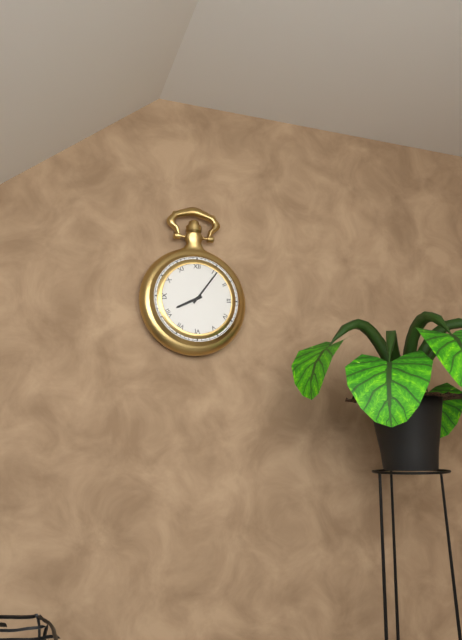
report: 8,06
